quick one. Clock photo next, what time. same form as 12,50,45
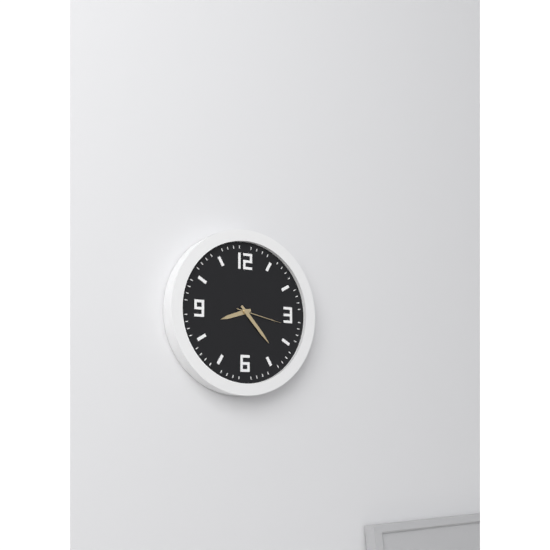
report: 8,23,17
